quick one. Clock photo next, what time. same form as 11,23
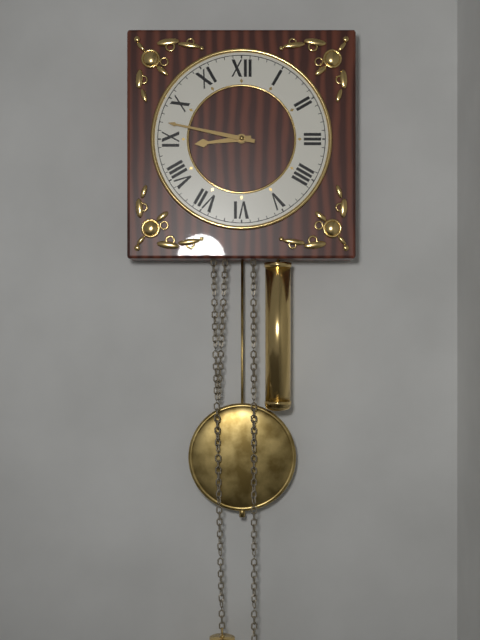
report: 8,47
